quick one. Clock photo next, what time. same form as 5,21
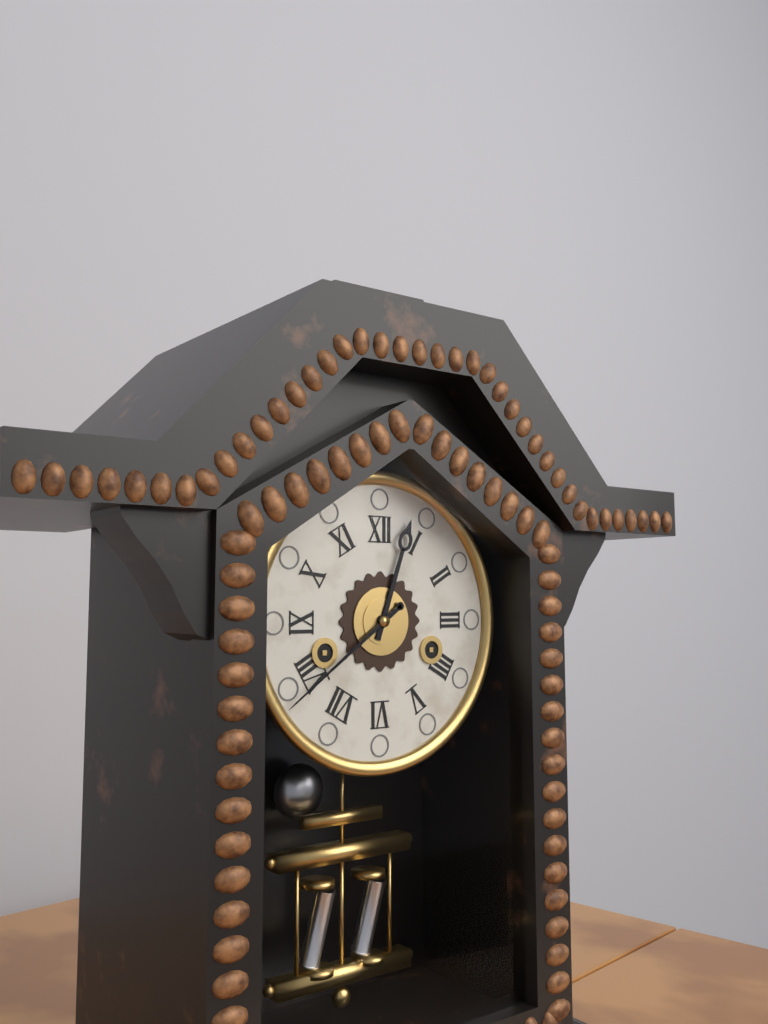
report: 12,39
